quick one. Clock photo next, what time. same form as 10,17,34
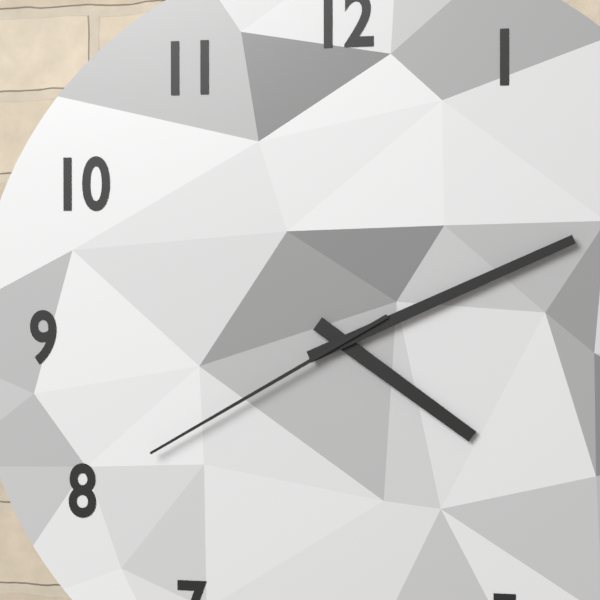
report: 4,11,40
